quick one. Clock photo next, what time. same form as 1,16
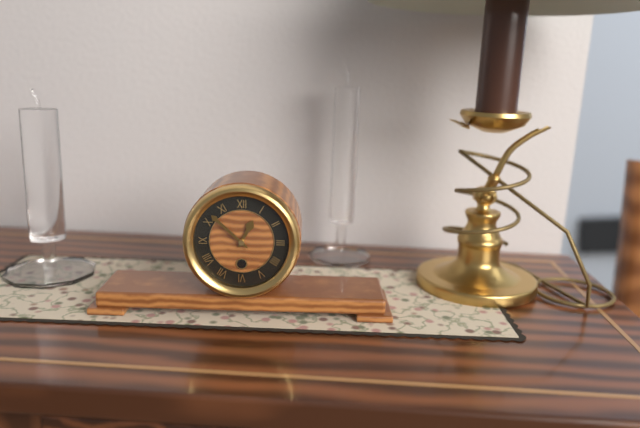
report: 12,52
